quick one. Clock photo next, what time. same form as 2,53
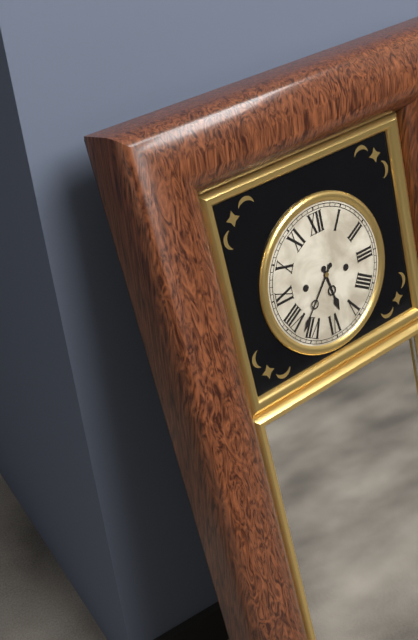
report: 5,37
